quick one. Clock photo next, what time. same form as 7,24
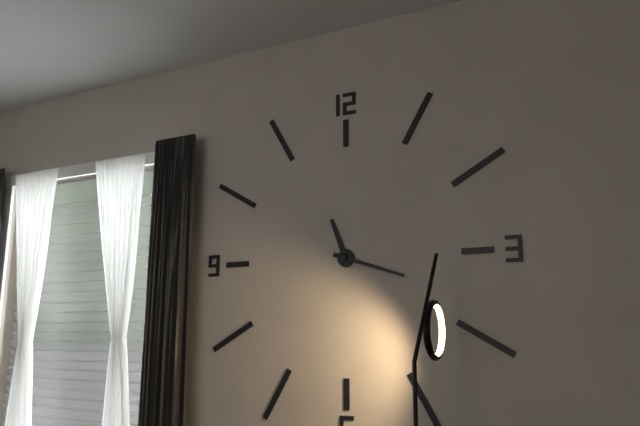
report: 11,18
